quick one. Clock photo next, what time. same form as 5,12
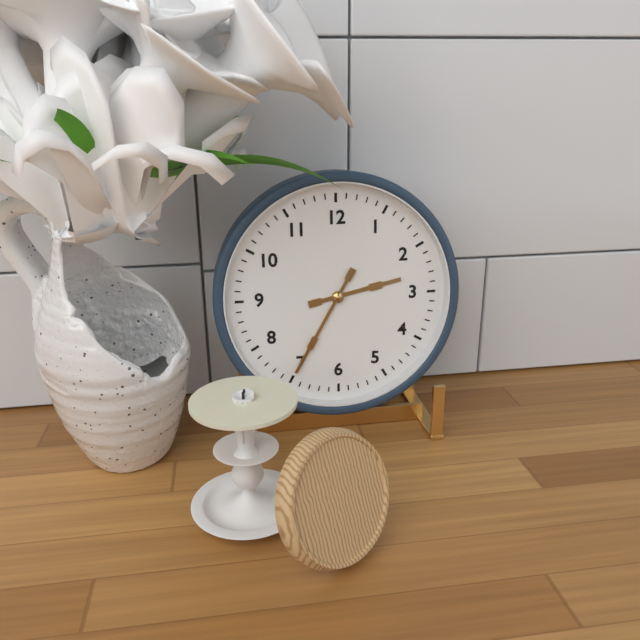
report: 2,35
